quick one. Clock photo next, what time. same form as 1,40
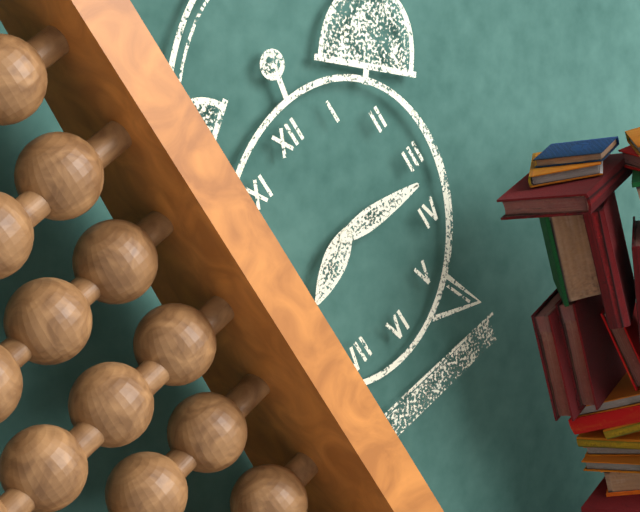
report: 8,17
